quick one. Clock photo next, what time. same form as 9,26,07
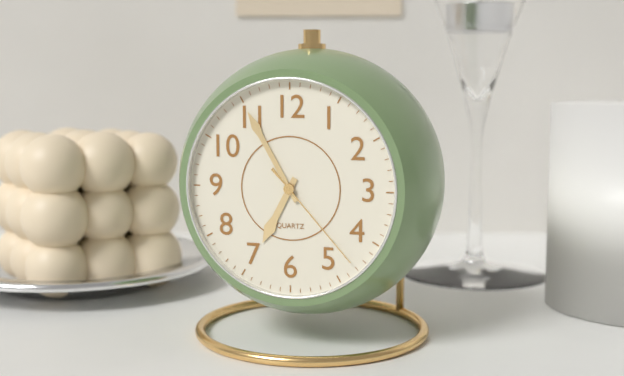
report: 6,55,23
